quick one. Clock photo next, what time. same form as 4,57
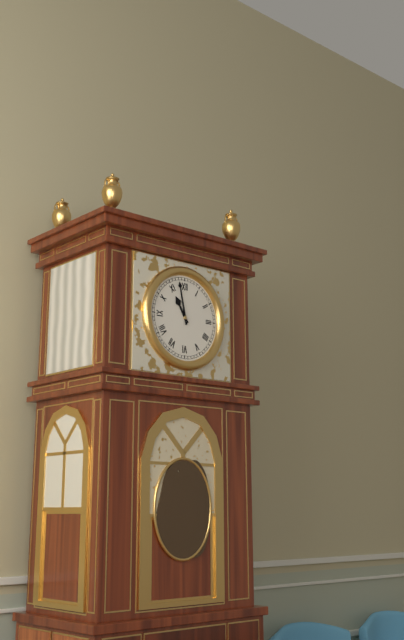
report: 10,58
